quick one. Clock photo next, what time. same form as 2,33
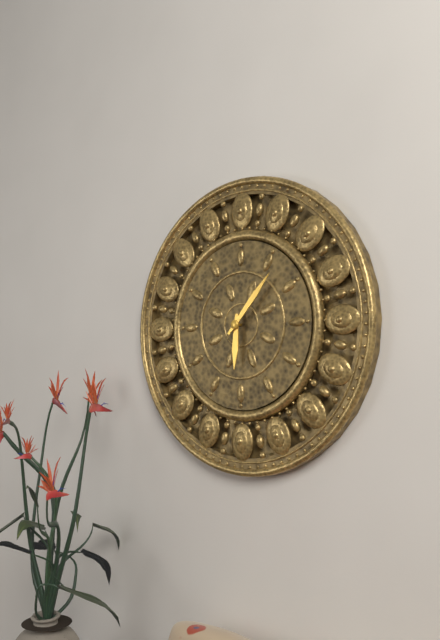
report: 6,07
